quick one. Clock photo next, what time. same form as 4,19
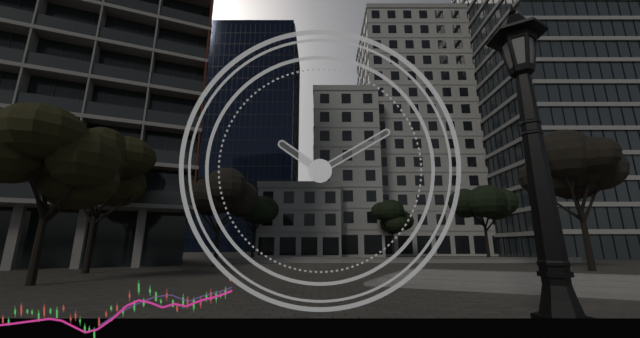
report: 10,10
